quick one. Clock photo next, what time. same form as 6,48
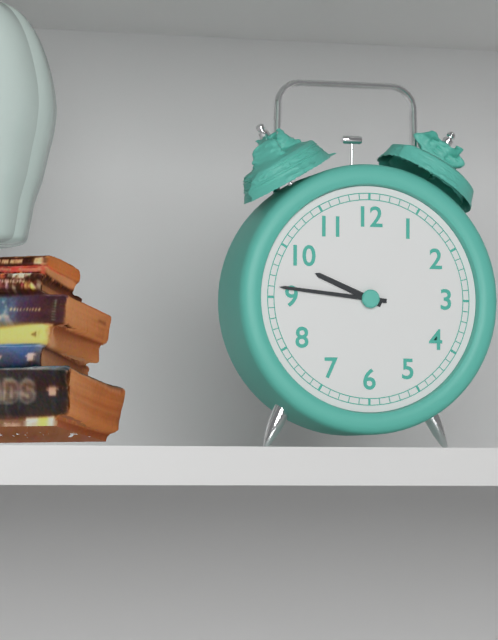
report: 9,46
